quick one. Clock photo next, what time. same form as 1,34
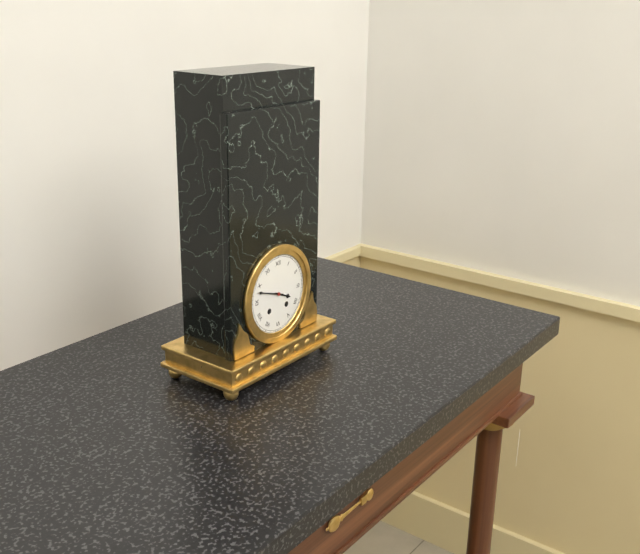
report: 3,48
